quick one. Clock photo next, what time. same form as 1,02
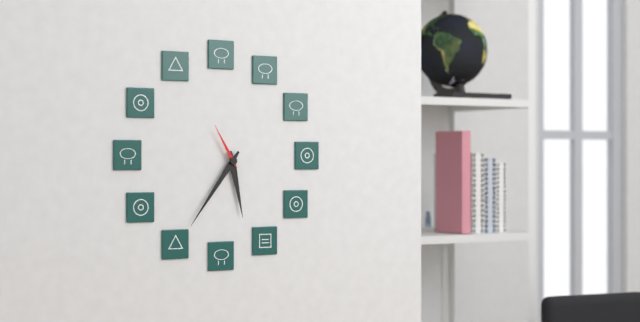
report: 5,36
